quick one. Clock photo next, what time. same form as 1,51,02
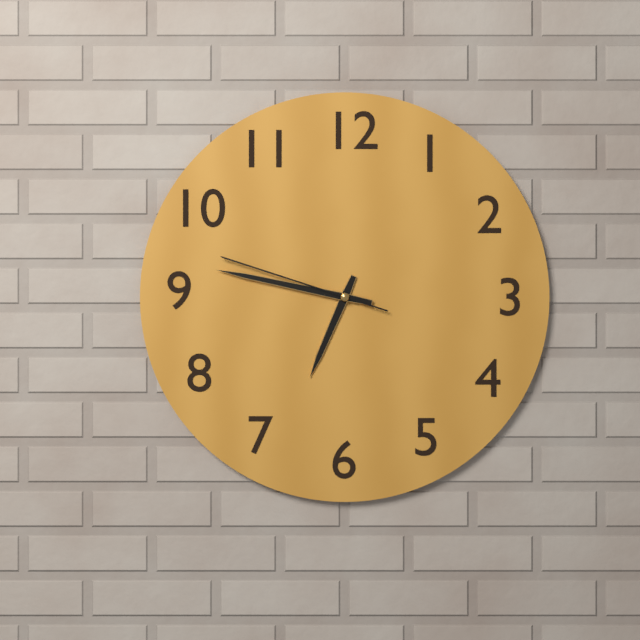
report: 6,47,48
